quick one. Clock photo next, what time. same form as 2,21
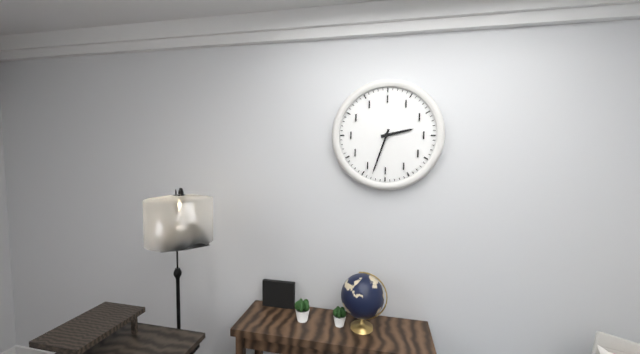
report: 2,33
